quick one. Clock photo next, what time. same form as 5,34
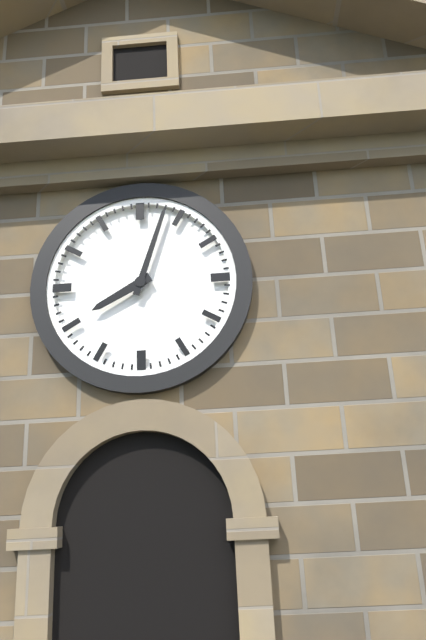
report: 8,03
